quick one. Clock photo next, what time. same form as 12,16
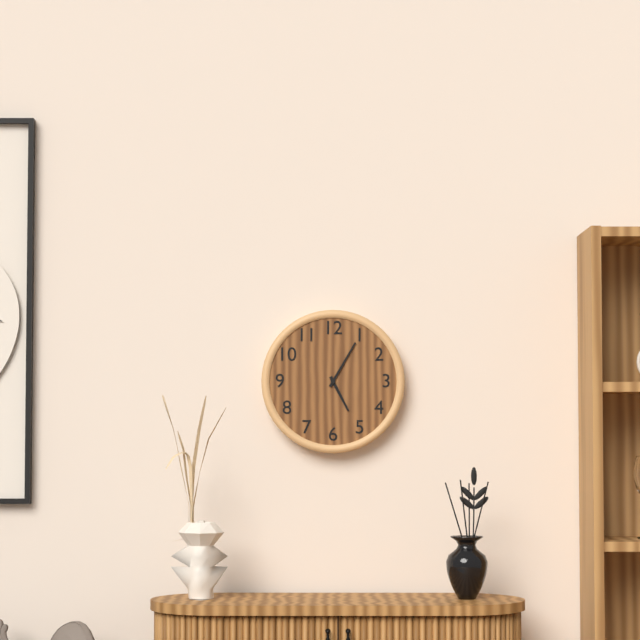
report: 5,05
